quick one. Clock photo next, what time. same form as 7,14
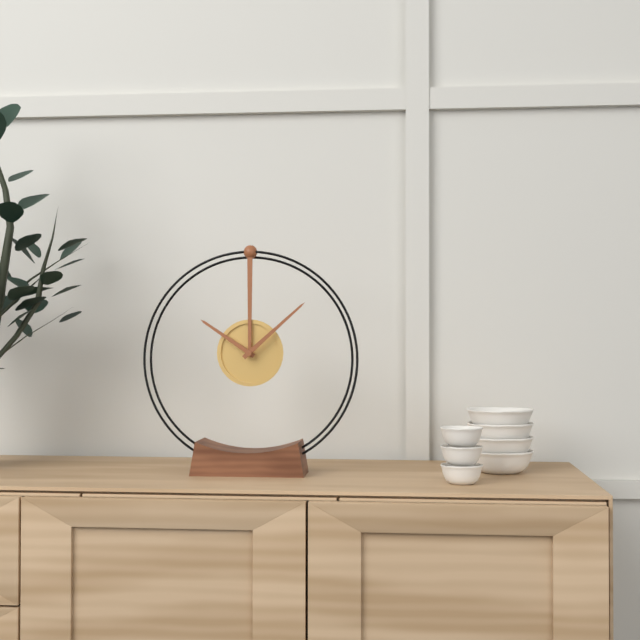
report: 10,08
